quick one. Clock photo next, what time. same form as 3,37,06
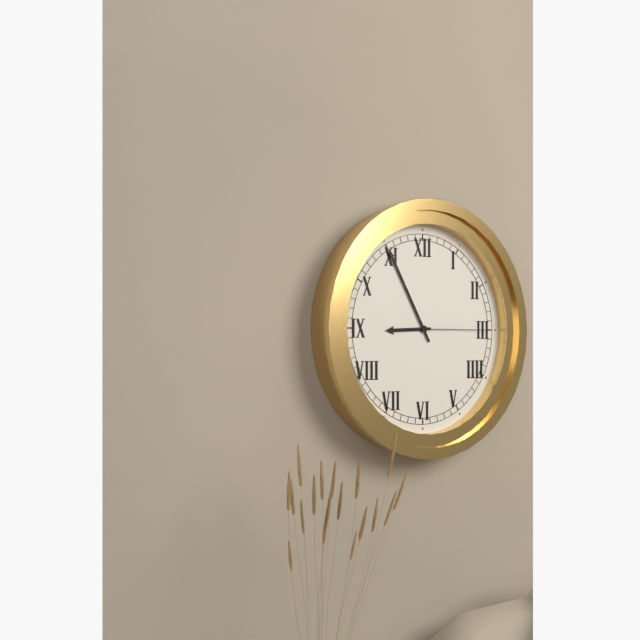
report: 8,55,15
